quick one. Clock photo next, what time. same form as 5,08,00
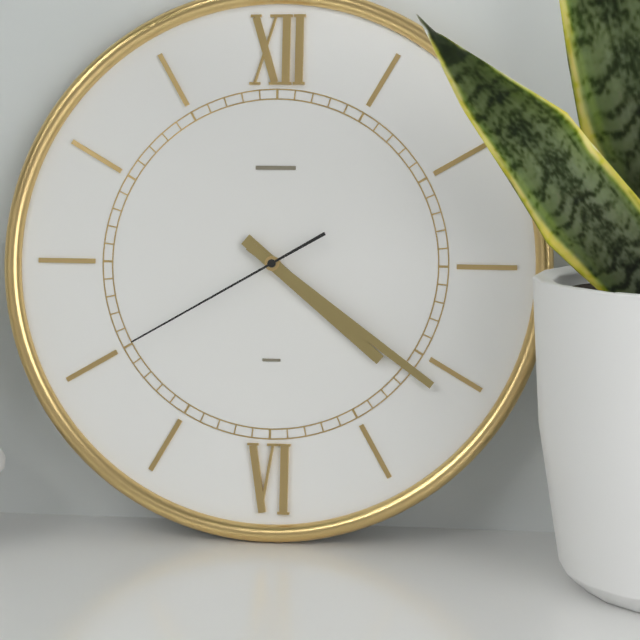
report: 4,21,40
